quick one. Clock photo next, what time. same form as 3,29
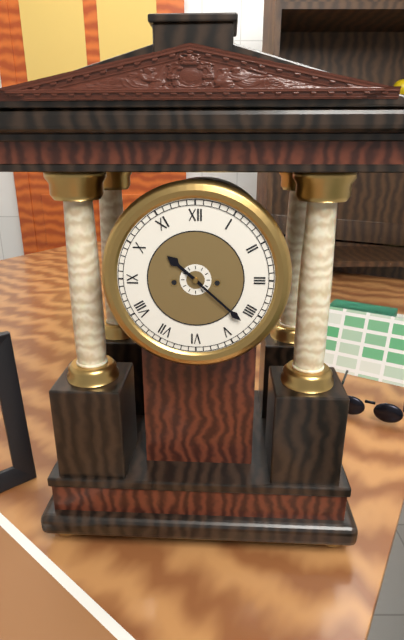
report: 10,22
